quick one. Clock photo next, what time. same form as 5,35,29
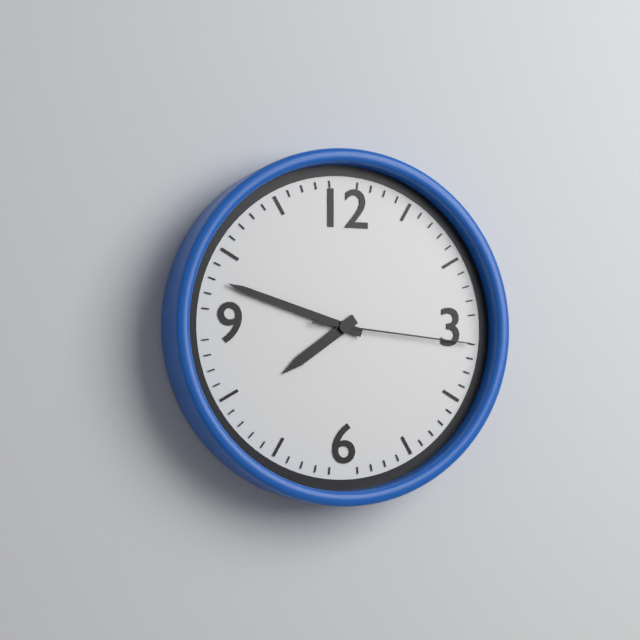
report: 7,48,16
